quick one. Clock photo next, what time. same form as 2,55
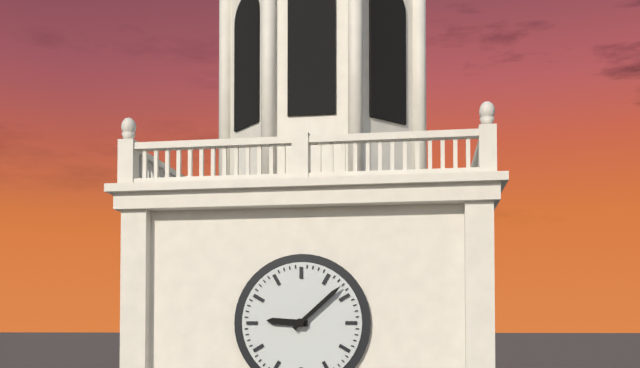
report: 9,08
